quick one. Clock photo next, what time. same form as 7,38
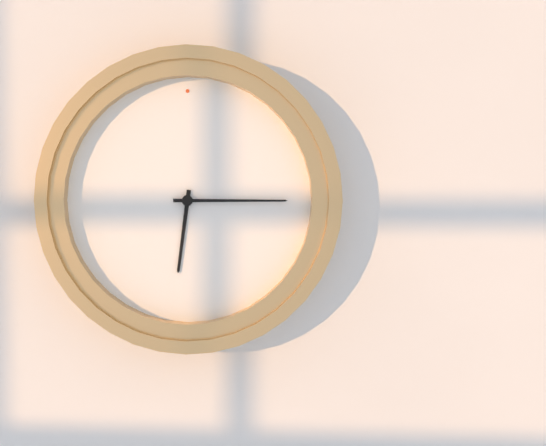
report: 6,15
